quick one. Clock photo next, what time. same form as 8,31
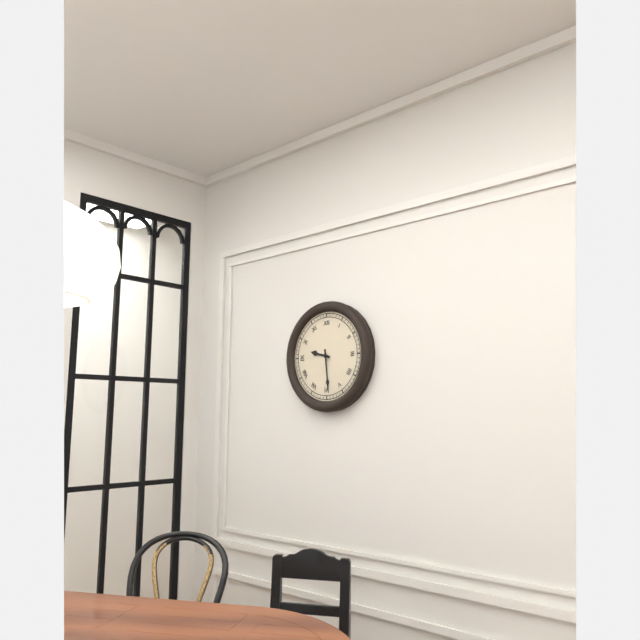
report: 9,29
